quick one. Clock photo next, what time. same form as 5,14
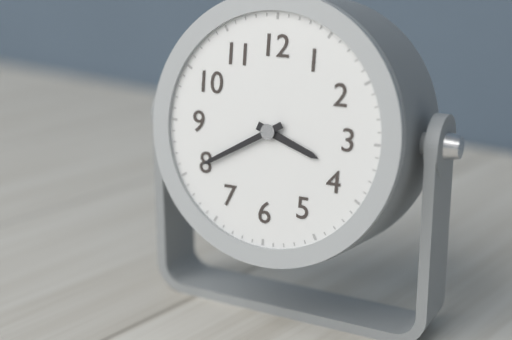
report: 3,40
